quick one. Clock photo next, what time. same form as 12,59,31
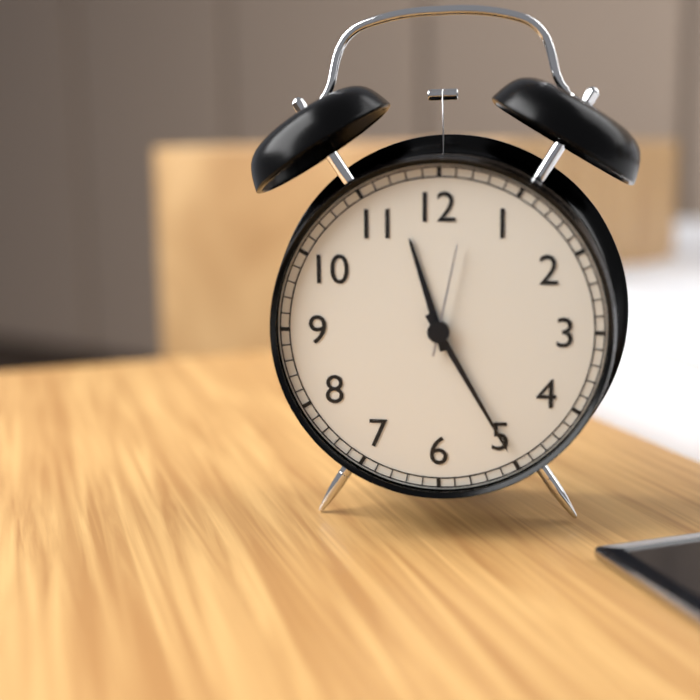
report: 11,25,02
